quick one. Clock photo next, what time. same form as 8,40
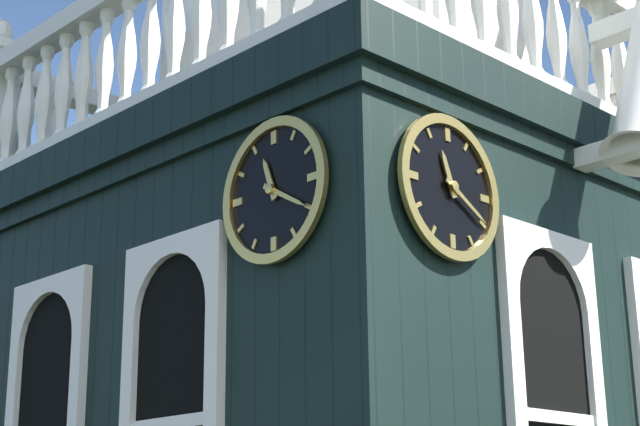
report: 11,20
